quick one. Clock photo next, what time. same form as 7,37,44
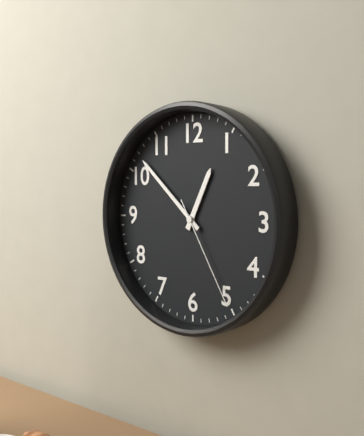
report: 12,52,25
